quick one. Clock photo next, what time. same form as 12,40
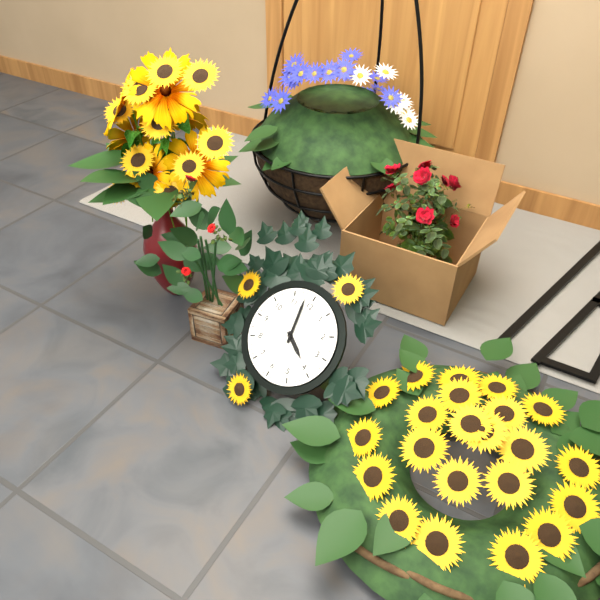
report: 3,58
